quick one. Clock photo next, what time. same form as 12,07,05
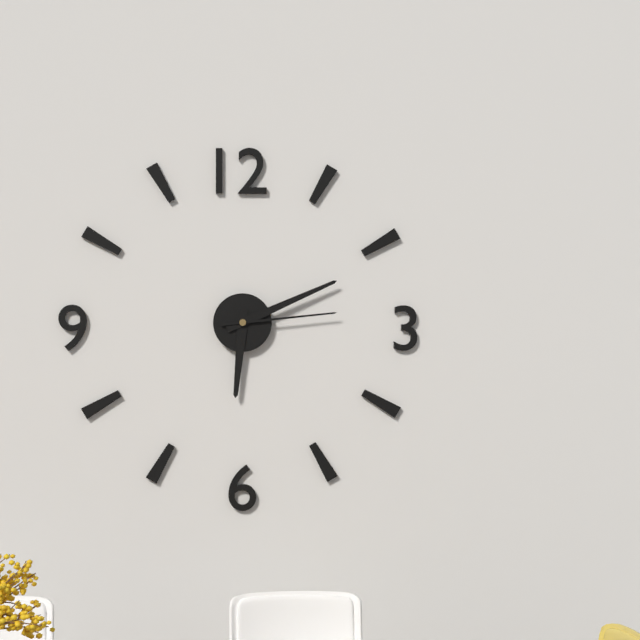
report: 6,11,14
